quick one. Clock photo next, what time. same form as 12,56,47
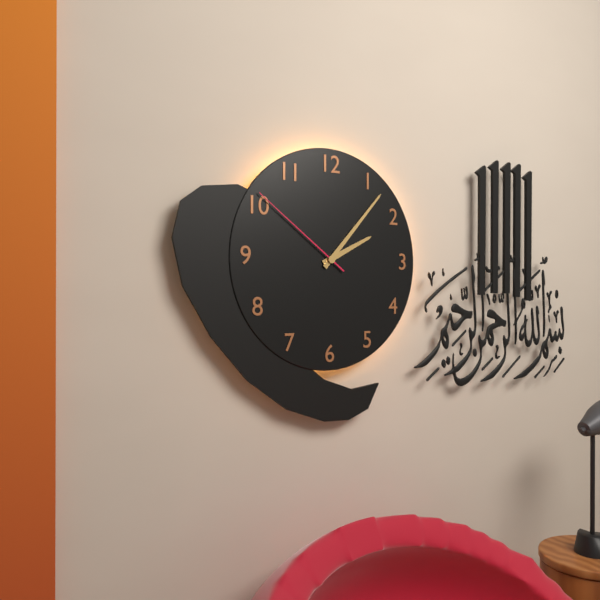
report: 2,07,51
